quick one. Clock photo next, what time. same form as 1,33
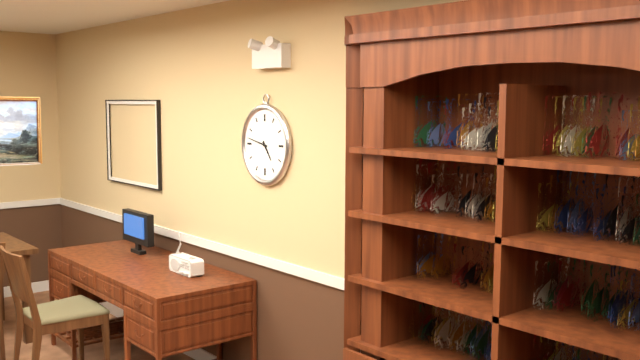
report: 4,47
